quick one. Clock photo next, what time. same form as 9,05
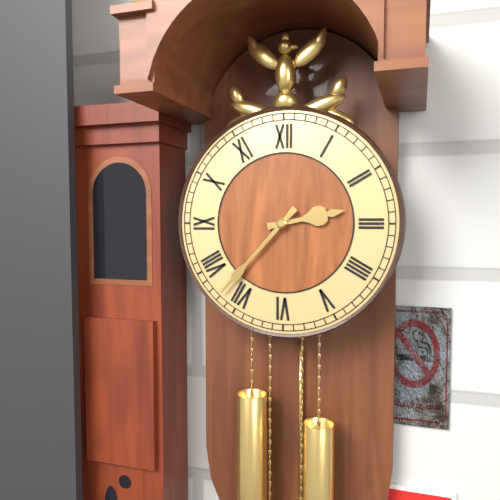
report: 2,37
